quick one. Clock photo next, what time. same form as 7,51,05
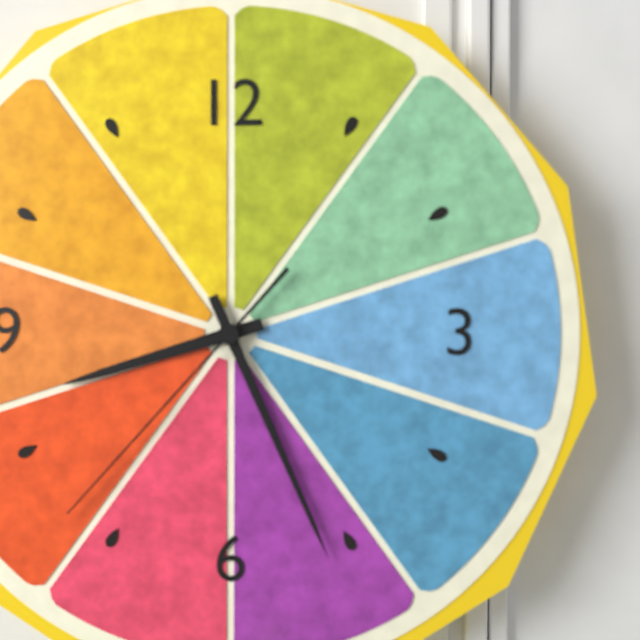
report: 8,26,37
